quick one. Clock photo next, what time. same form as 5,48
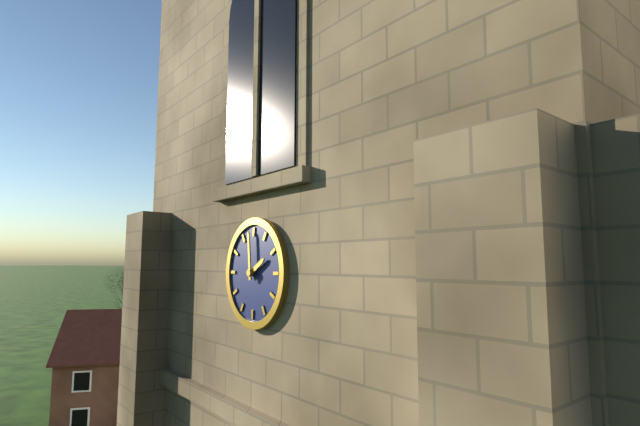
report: 1,59
